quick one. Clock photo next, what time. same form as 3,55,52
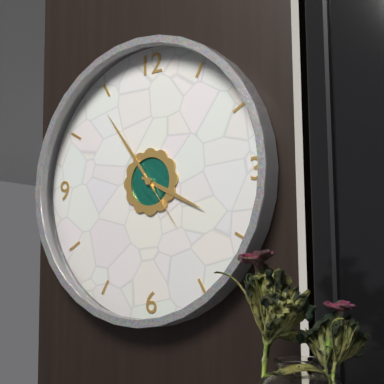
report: 3,54,24
